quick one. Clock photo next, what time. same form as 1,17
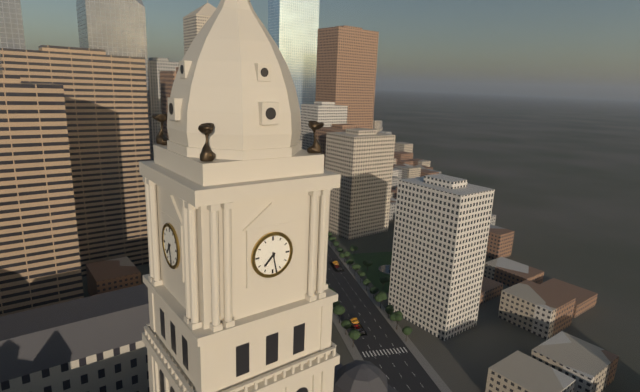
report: 7,28
